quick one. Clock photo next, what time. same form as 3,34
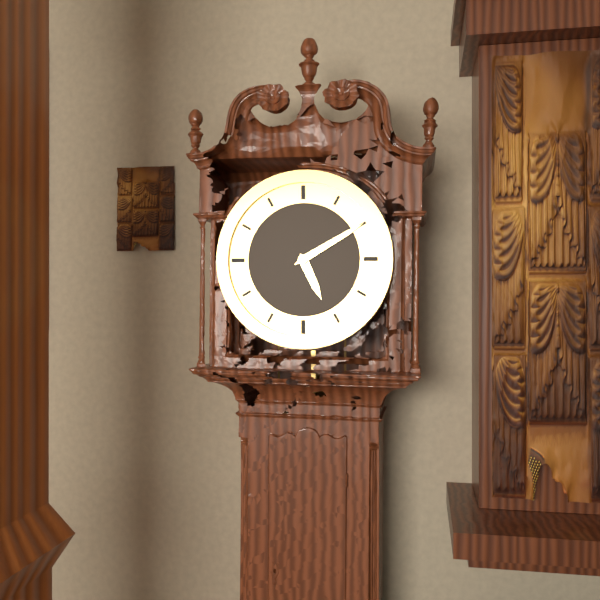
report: 5,10
